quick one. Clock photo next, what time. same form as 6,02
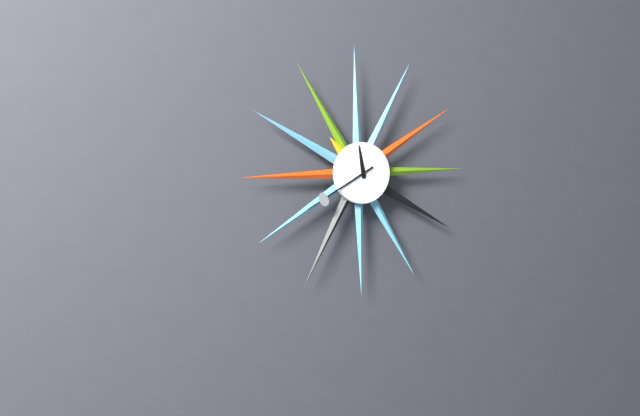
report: 11,40
